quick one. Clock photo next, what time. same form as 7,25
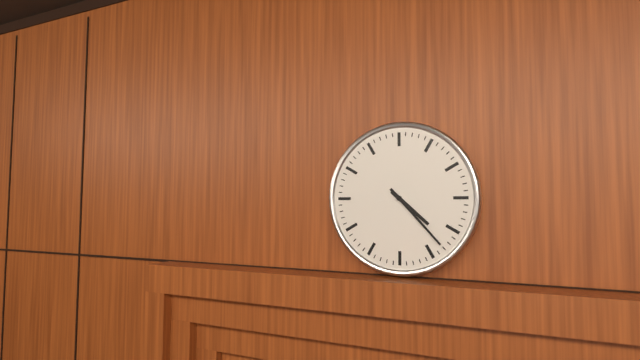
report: 4,23
